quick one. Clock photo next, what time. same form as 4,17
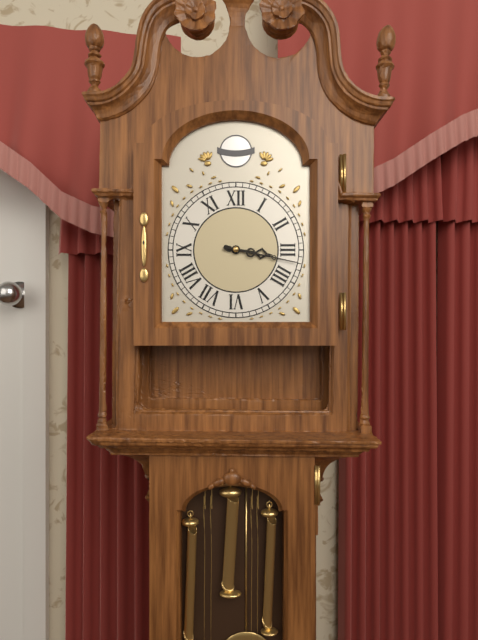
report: 3,17
